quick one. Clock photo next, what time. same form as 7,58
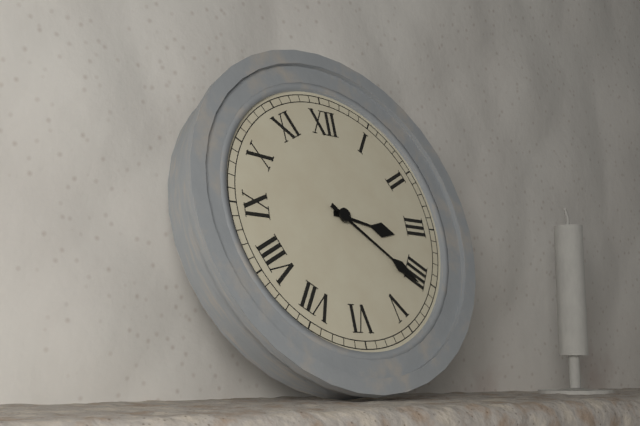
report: 3,21
